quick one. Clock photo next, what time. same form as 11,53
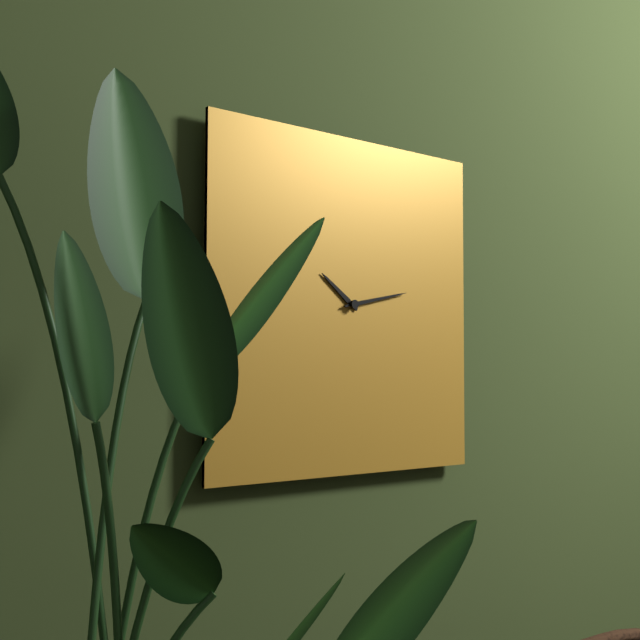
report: 10,13
